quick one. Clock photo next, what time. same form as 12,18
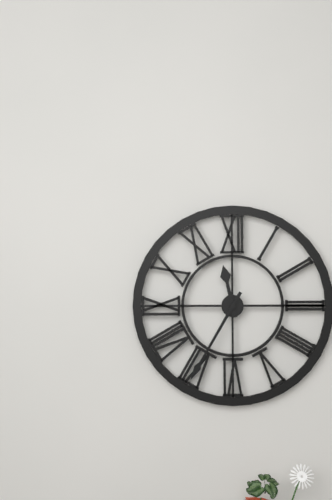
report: 11,35
